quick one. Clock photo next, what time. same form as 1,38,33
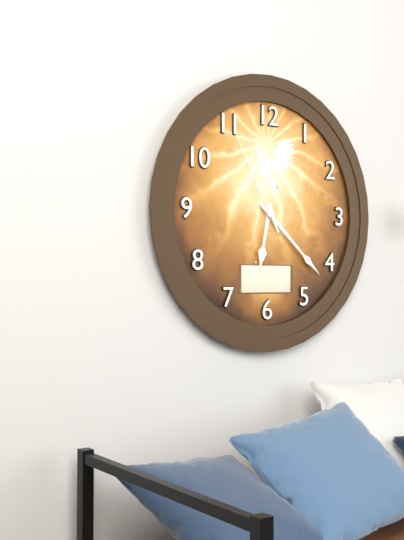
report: 6,22,55
